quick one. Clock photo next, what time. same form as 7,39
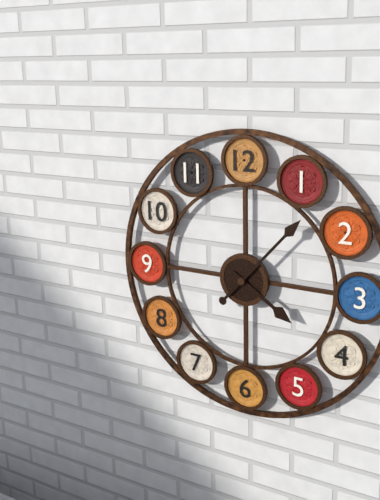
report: 4,07
